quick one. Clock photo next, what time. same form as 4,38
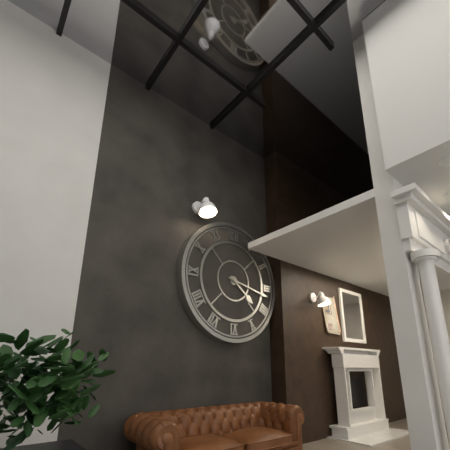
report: 4,17
